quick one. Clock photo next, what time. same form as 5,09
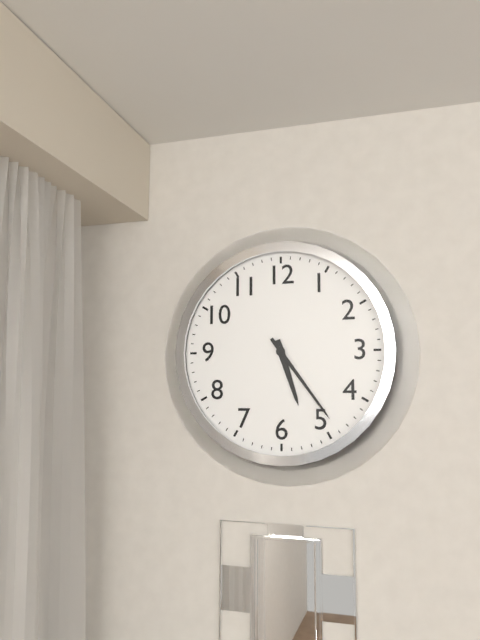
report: 5,24
